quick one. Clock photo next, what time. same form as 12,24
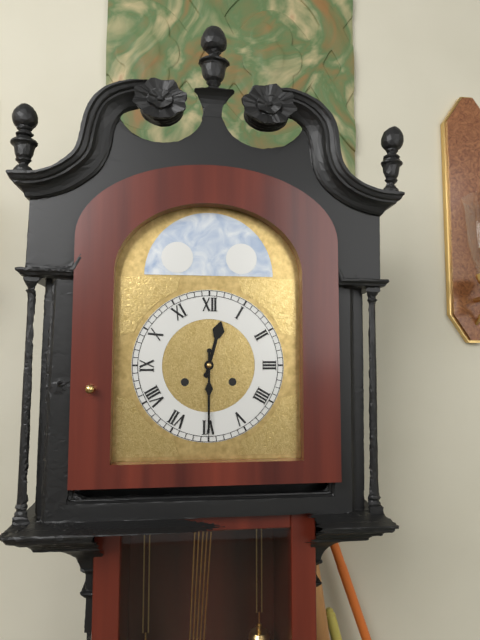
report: 12,30
